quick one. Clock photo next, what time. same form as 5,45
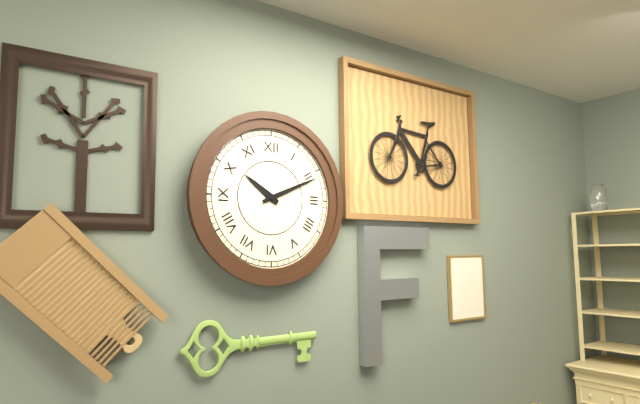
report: 10,11
